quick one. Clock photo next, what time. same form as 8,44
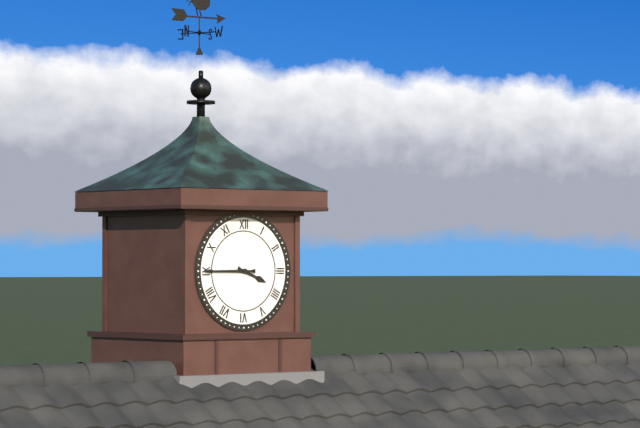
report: 3,45
